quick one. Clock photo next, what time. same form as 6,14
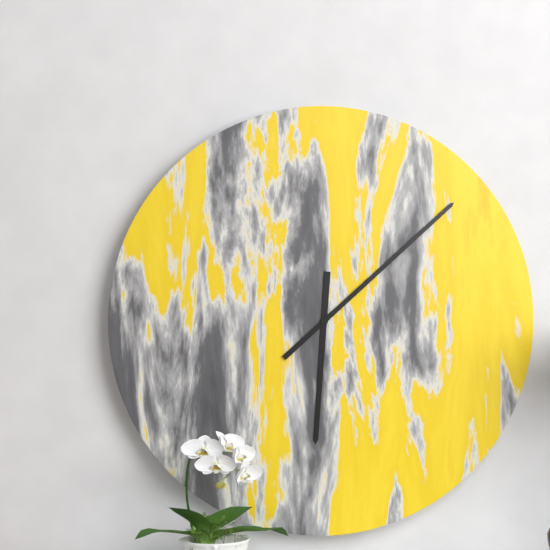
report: 6,08
